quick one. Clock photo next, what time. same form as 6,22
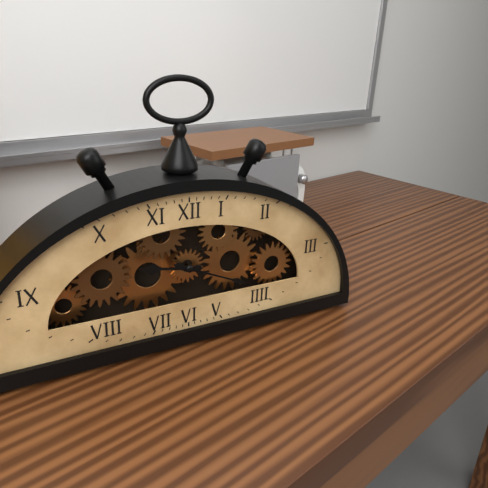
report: 9,19
